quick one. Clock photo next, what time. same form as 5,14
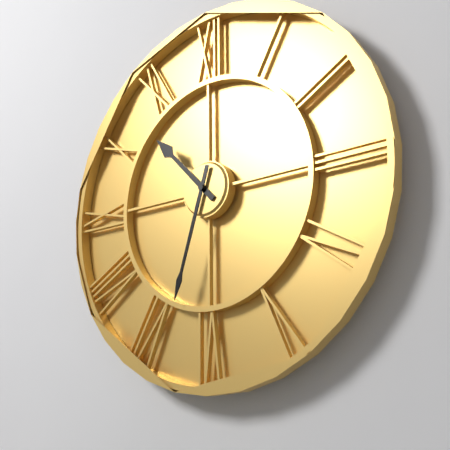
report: 10,33
